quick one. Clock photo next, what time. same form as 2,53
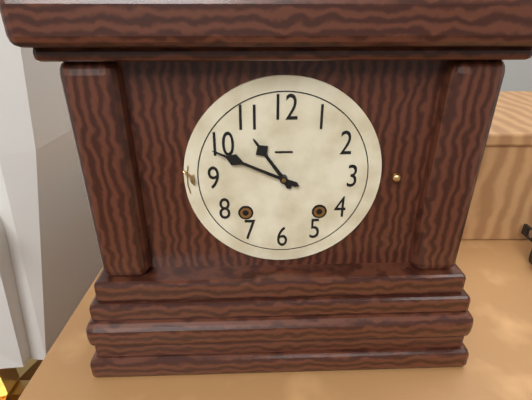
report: 10,49
